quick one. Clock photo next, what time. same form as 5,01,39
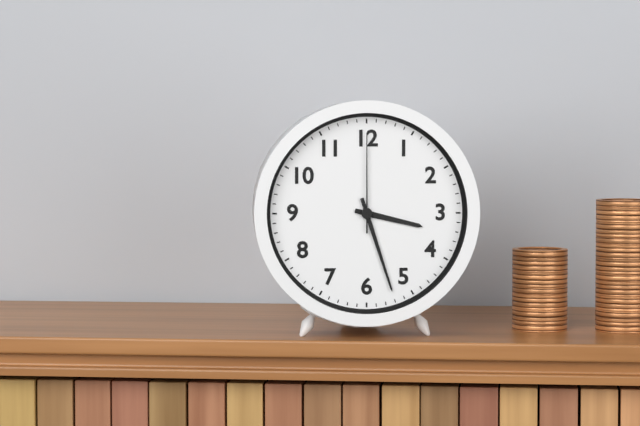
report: 3,27,00
